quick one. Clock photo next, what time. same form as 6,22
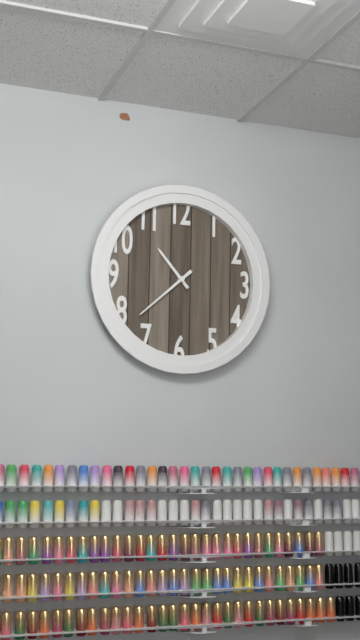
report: 10,38
